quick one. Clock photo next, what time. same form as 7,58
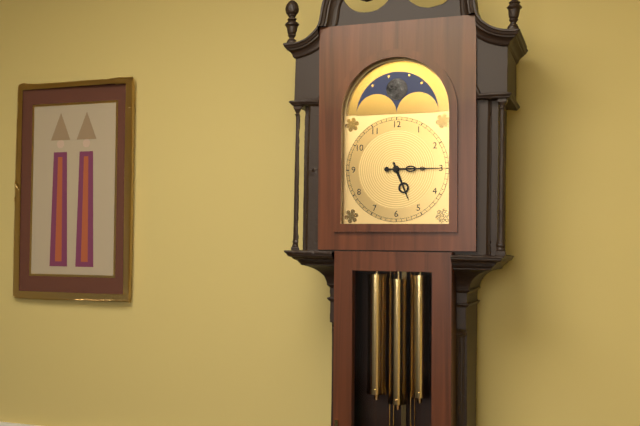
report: 5,15
